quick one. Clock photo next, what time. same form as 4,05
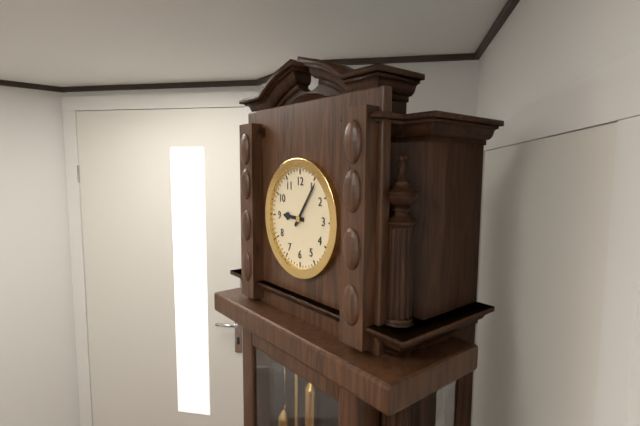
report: 9,06
